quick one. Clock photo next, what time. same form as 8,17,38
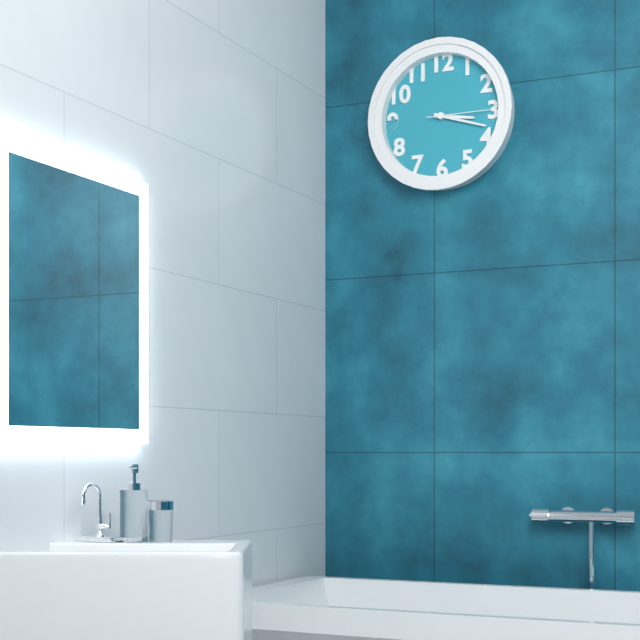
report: 3,18,15
